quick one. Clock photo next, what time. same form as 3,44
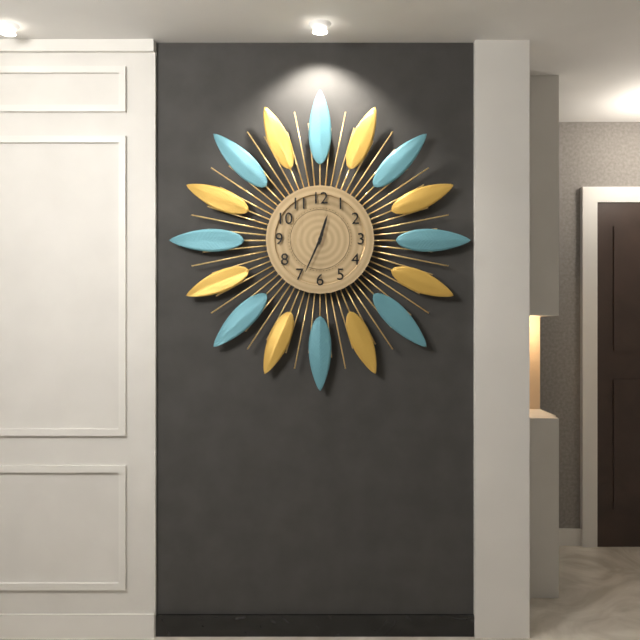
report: 12,34
